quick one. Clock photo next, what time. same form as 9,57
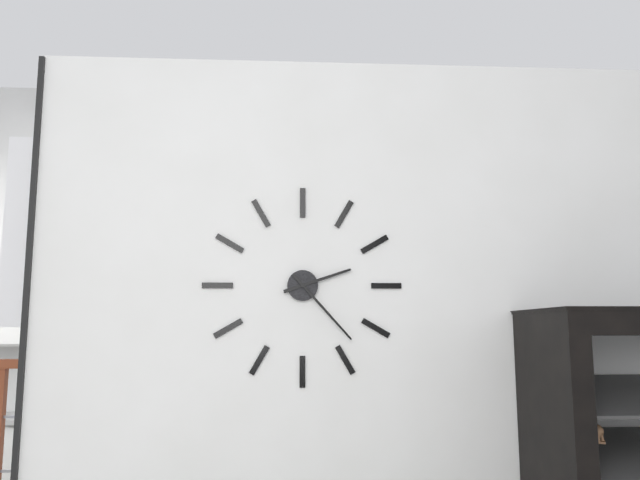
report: 2,23
